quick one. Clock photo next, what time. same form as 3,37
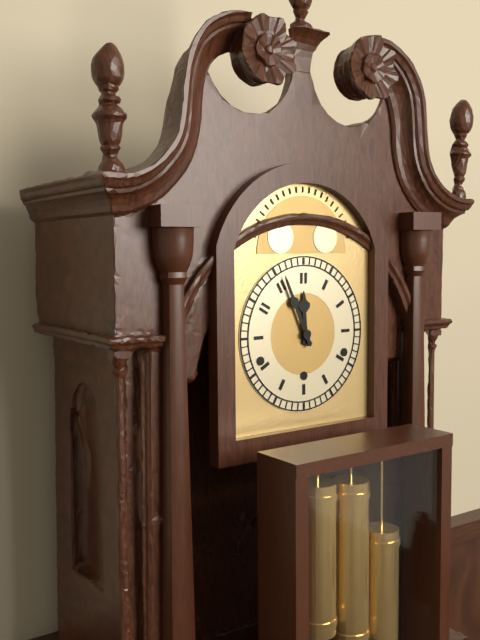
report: 11,56
